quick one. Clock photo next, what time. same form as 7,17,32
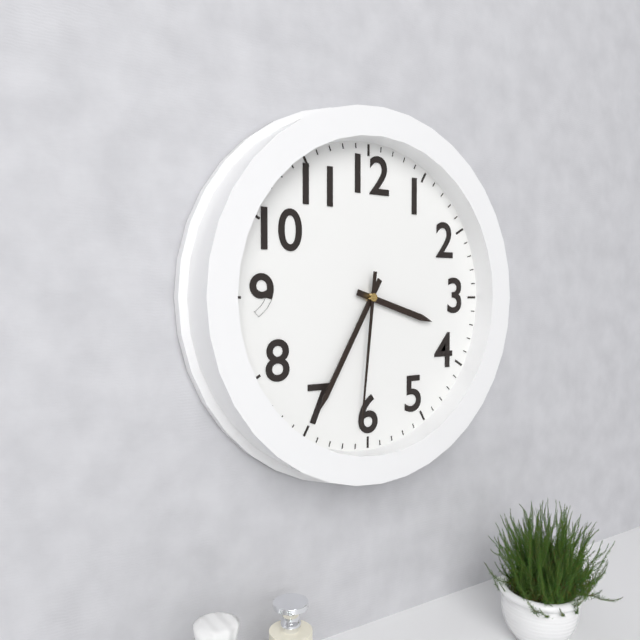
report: 3,35,31
